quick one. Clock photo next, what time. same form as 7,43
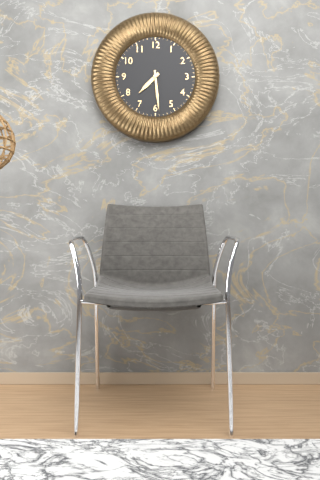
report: 7,29
